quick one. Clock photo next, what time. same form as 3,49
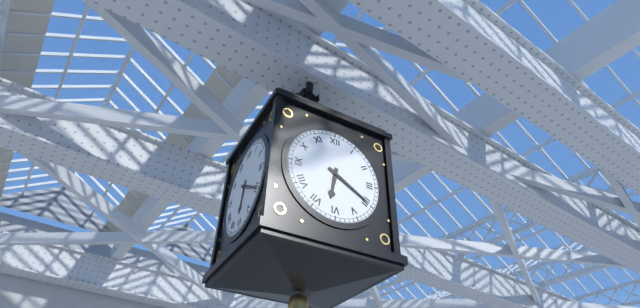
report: 6,20
